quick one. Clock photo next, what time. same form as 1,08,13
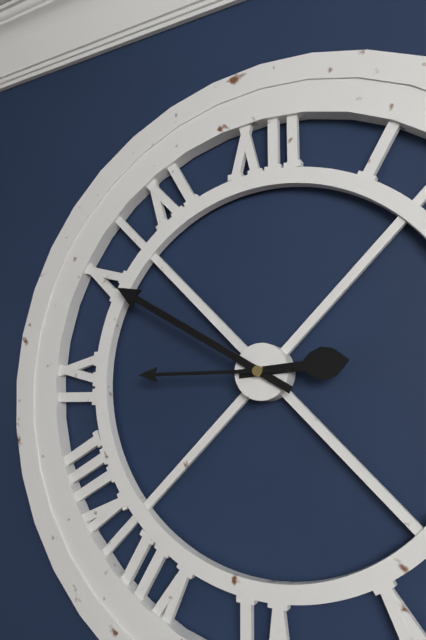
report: 2,50,45
